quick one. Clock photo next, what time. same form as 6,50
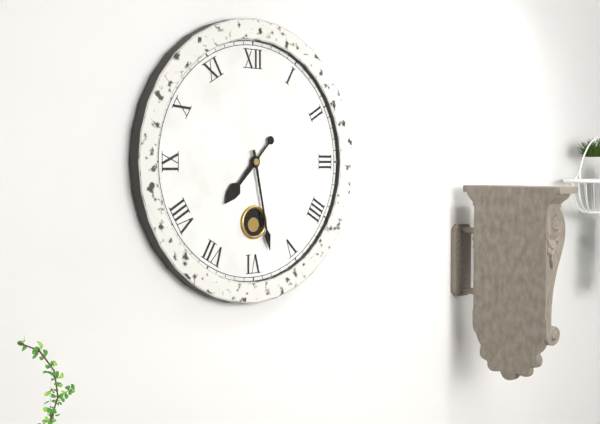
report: 7,28
